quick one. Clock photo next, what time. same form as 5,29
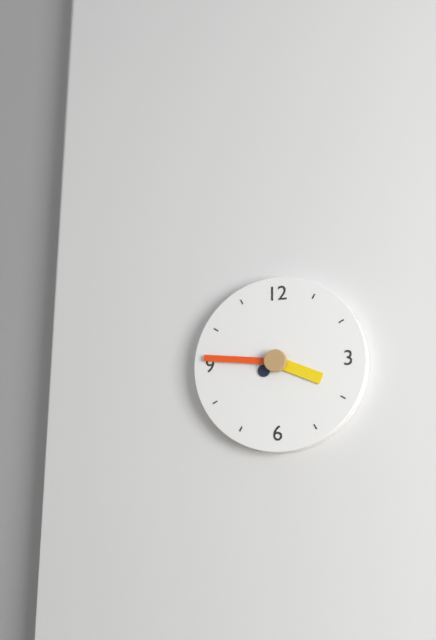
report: 3,46
